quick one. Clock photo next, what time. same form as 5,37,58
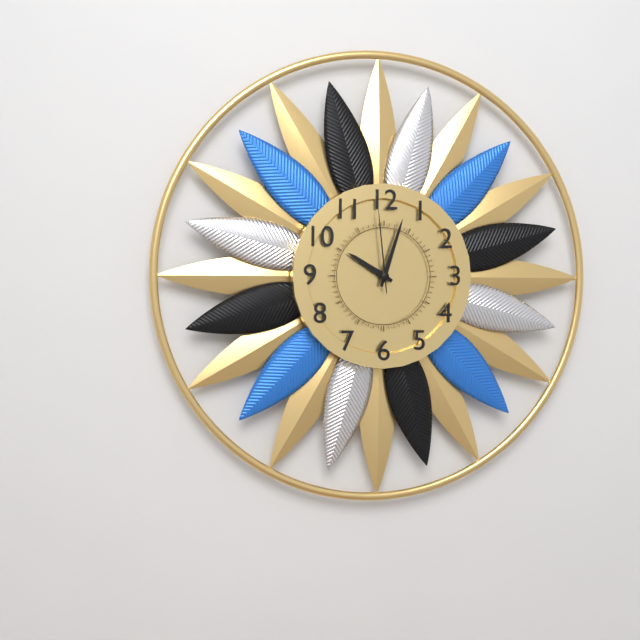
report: 10,03,59
